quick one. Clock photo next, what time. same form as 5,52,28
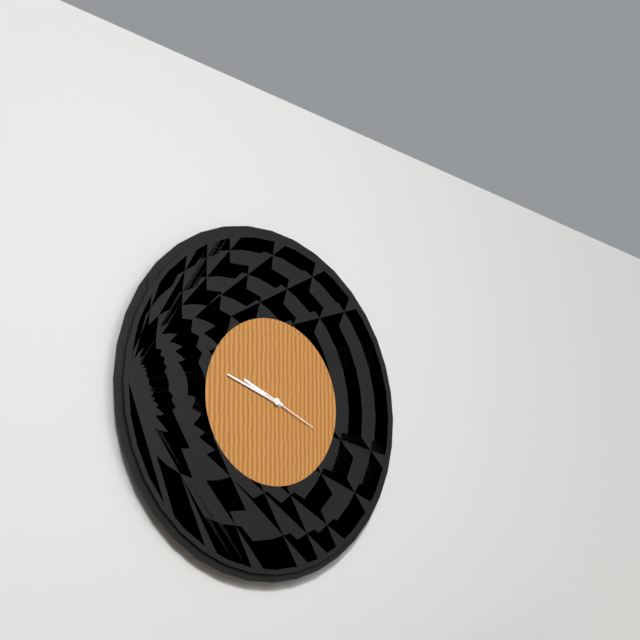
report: 9,48,19
